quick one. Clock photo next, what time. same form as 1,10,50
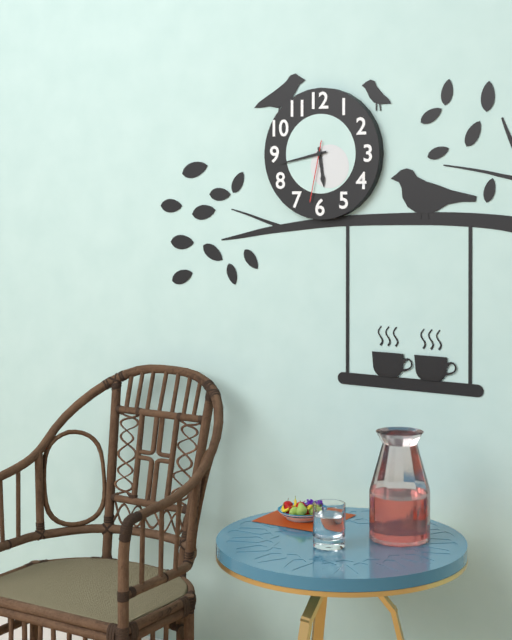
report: 5,43,32
